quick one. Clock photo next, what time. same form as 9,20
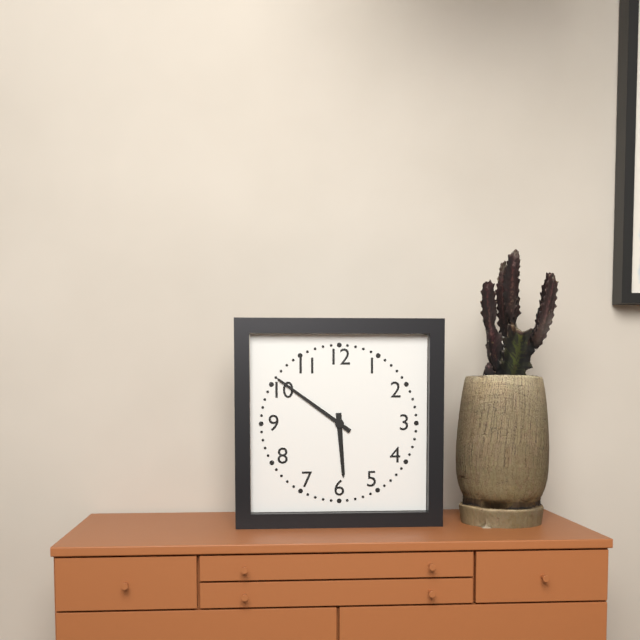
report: 5,51
